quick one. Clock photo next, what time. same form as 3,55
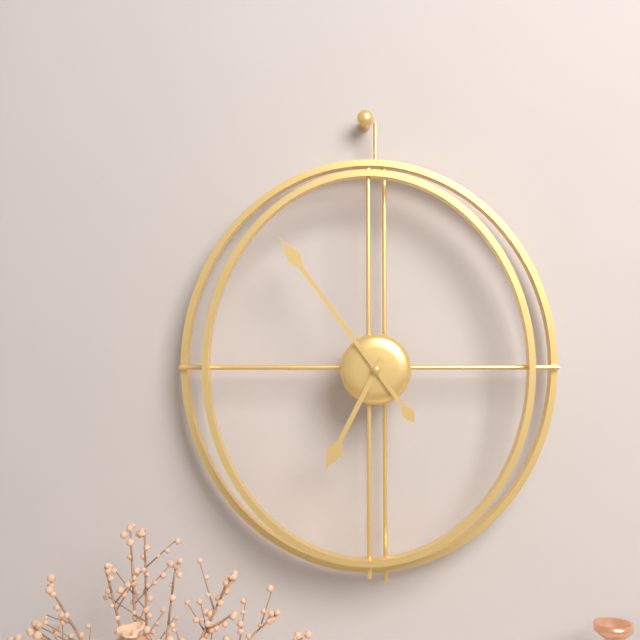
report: 6,54
